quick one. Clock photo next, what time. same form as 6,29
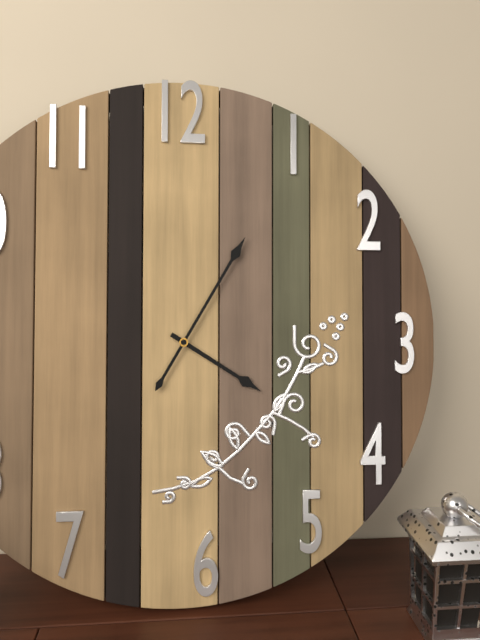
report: 4,05
